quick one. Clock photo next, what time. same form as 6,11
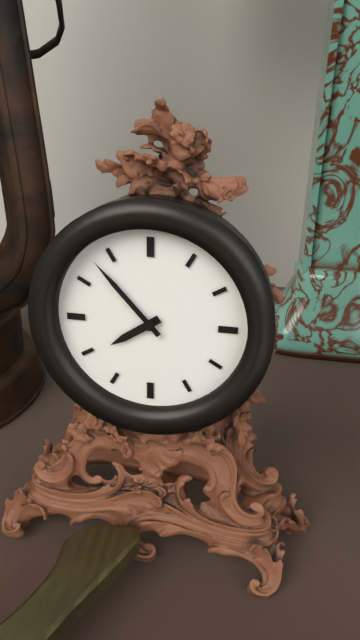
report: 7,53
